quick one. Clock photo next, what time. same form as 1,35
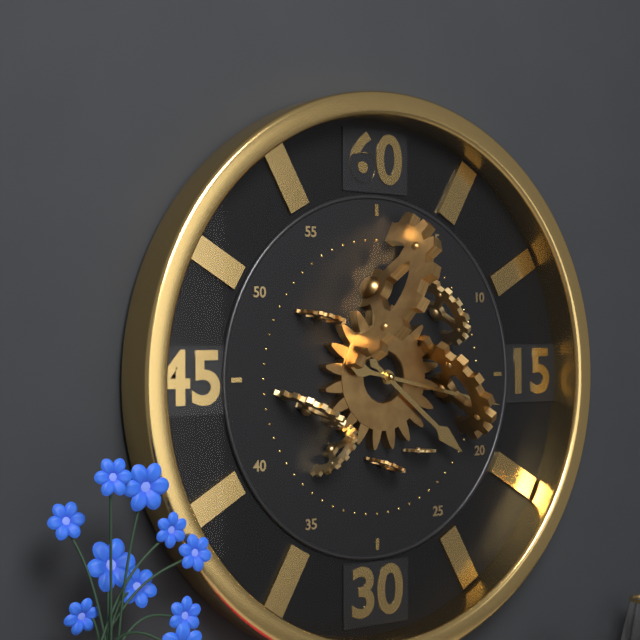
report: 4,17
